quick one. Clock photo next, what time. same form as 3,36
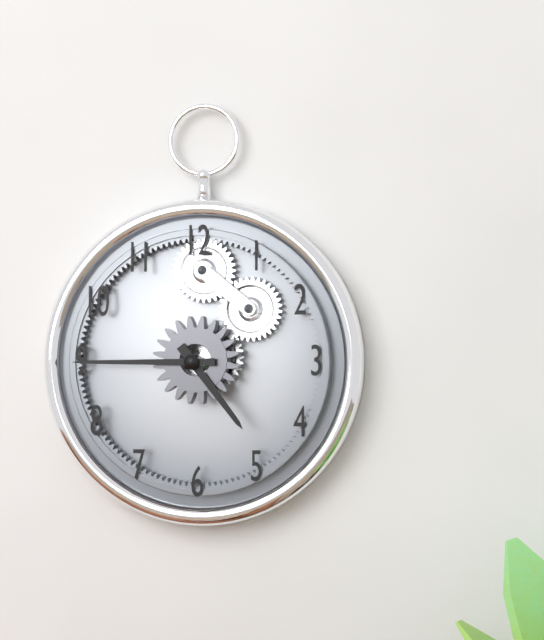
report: 4,45
